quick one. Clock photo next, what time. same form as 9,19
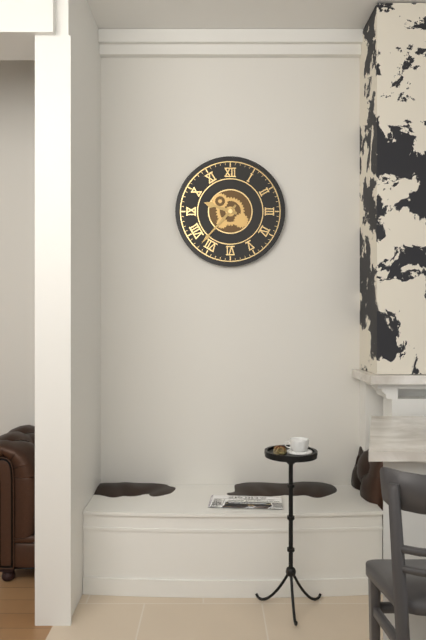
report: 9,37
